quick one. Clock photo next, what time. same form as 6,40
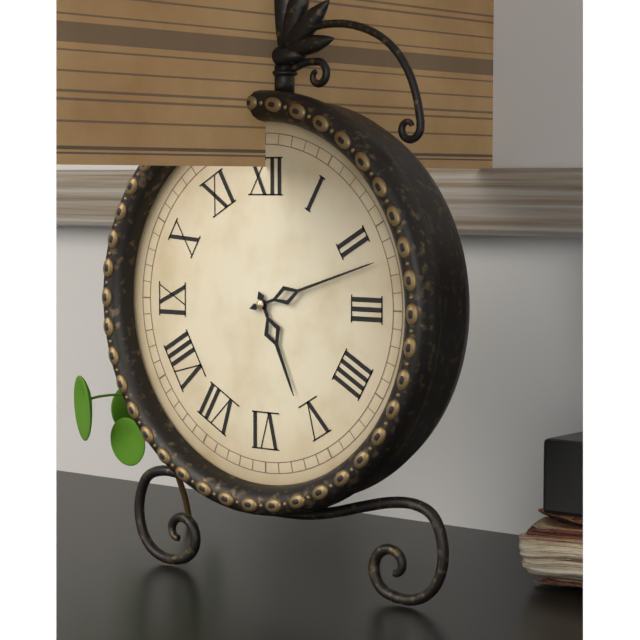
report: 5,12
